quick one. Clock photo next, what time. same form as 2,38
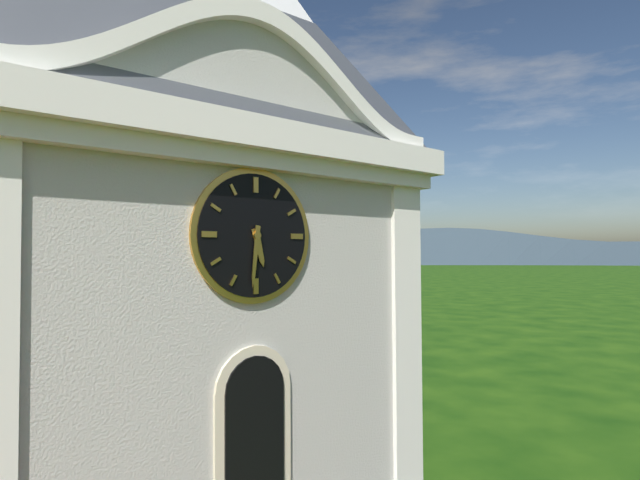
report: 5,31
